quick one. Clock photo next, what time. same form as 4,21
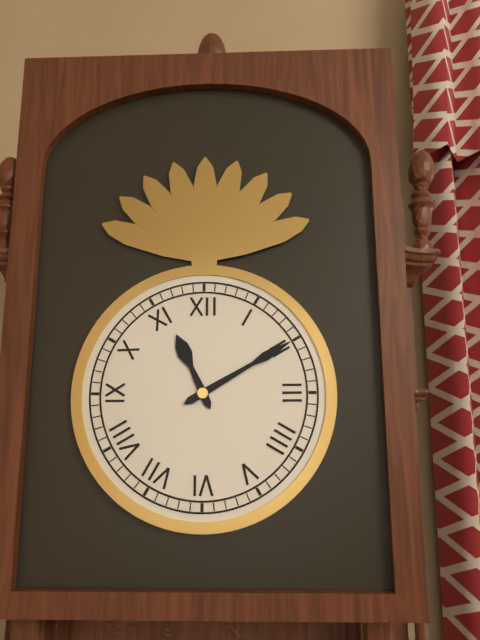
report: 11,10
